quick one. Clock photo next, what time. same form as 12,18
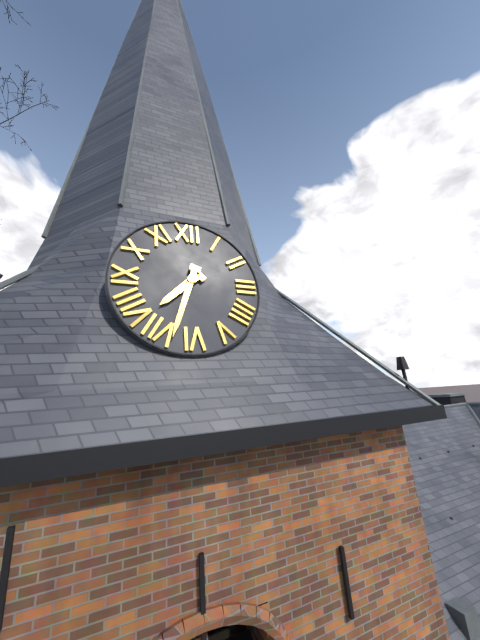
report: 7,33
